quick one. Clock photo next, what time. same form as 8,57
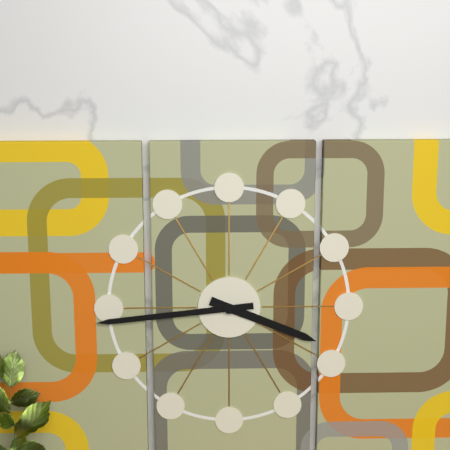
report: 3,44
